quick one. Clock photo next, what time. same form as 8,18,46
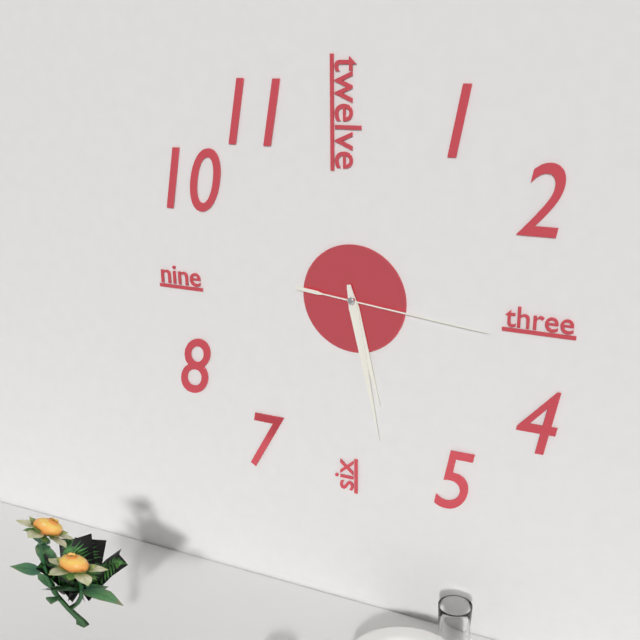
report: 5,28,16
